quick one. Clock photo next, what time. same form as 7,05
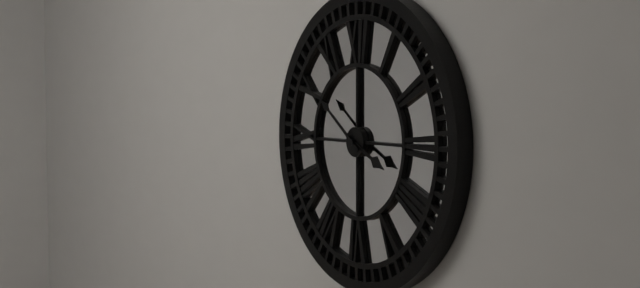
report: 3,51
